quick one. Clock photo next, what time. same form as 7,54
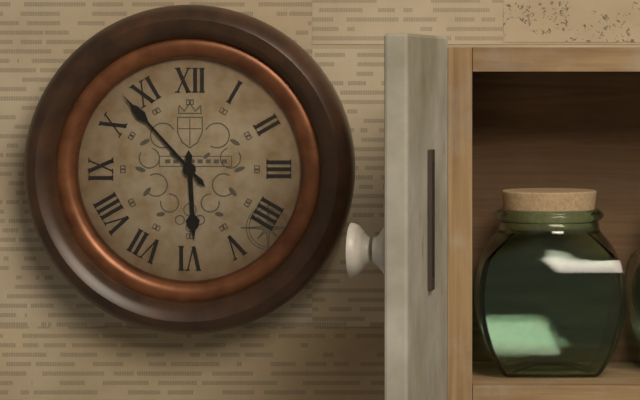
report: 5,53
